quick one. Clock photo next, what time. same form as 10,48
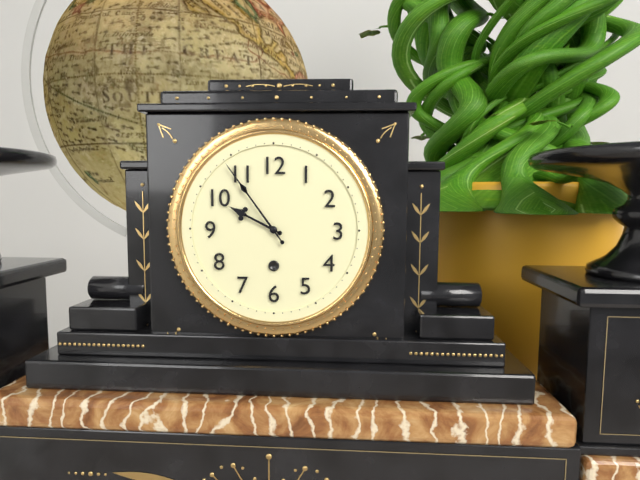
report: 9,54
